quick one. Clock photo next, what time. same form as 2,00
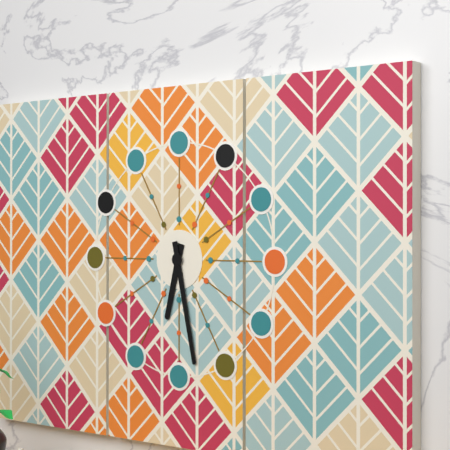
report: 6,28
